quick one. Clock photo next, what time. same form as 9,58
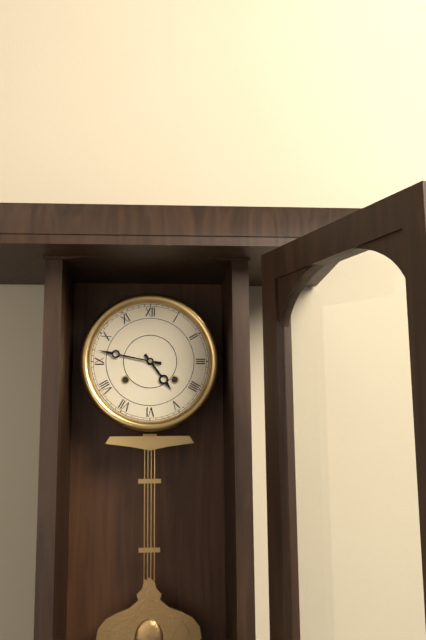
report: 4,47
